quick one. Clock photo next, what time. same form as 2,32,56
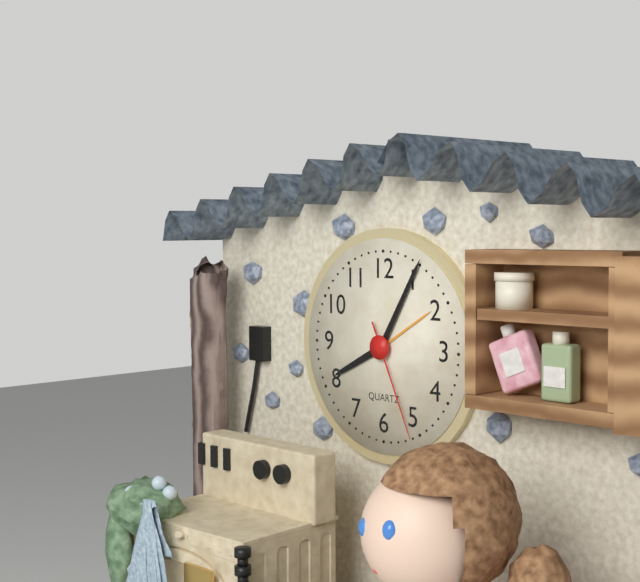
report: 8,05,26
